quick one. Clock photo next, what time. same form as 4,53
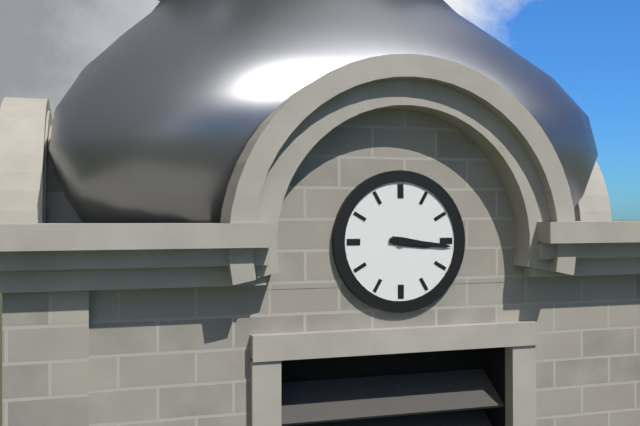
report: 3,16
